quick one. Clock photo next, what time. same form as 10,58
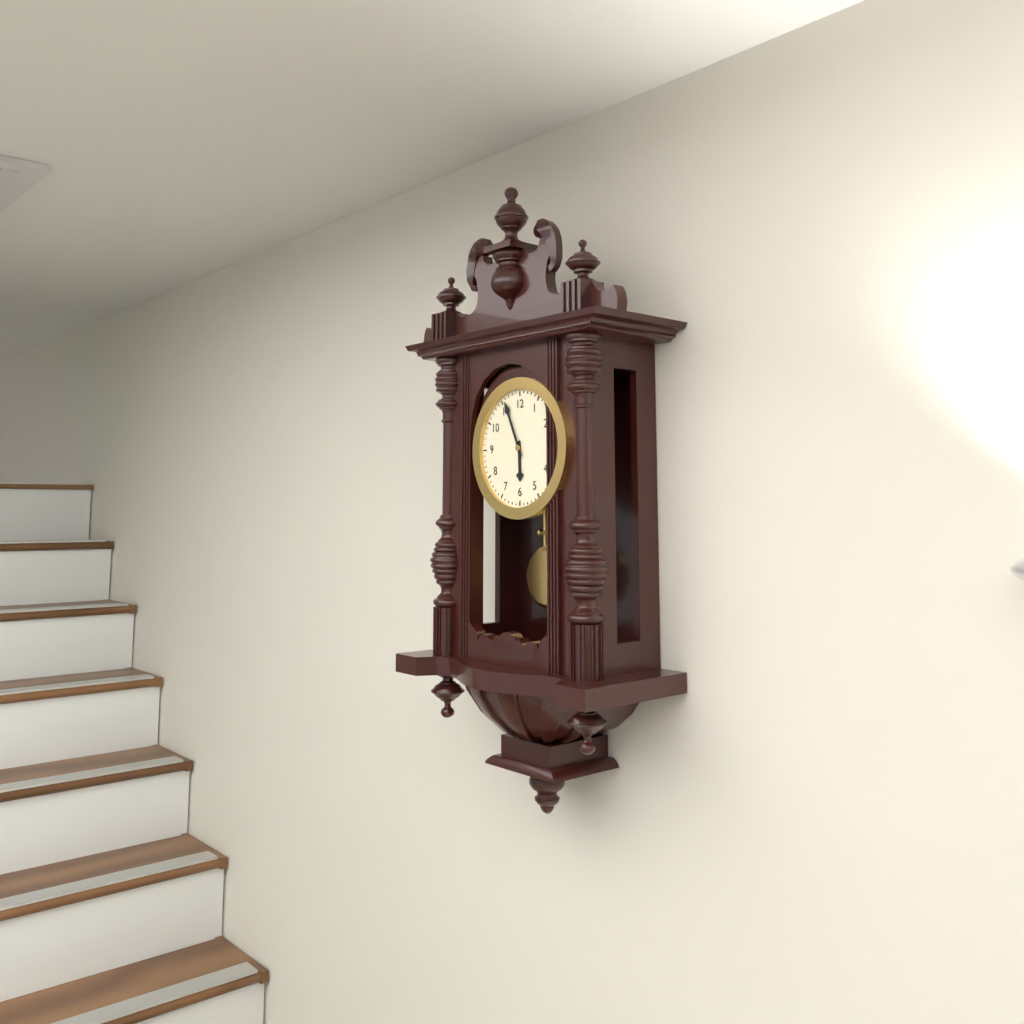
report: 5,56
